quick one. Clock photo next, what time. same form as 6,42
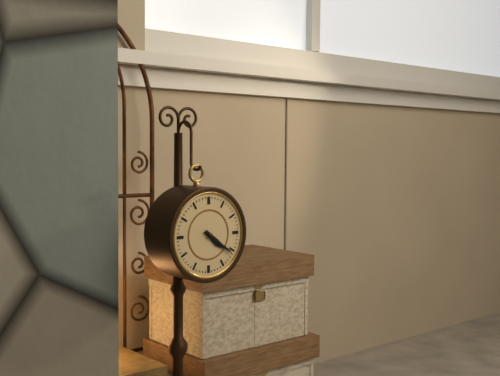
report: 4,21
